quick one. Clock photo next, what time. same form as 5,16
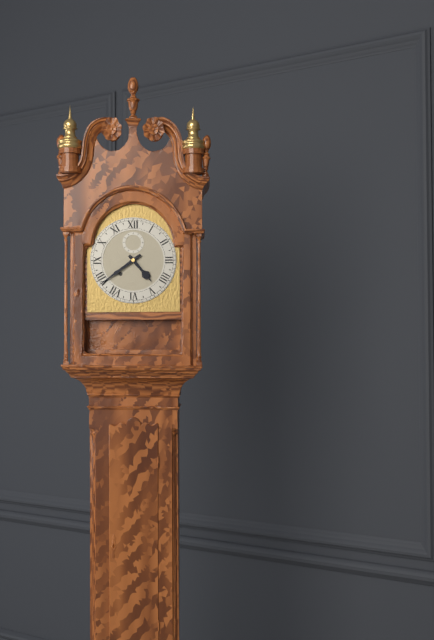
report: 4,39
